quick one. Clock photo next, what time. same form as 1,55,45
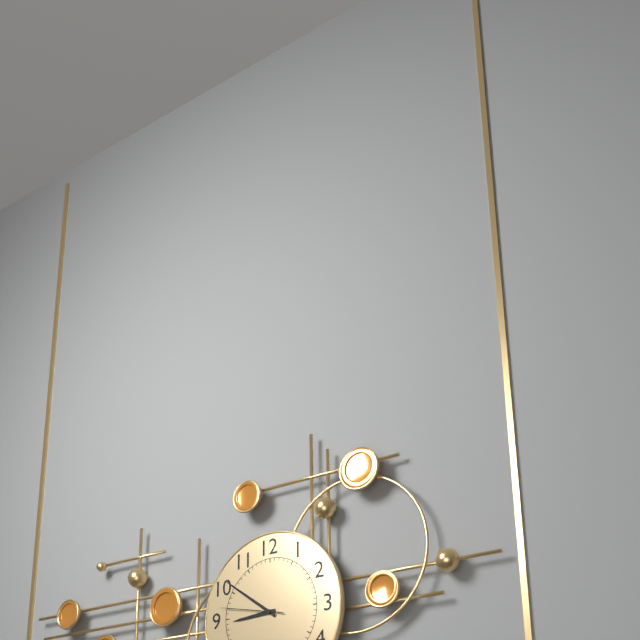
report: 8,51,47
